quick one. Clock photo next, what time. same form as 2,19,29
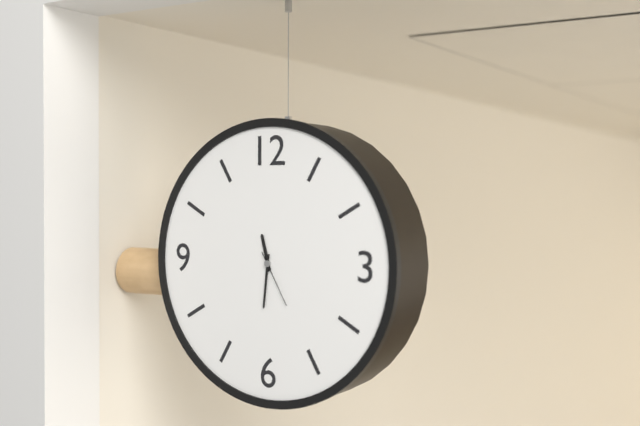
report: 11,31,25
